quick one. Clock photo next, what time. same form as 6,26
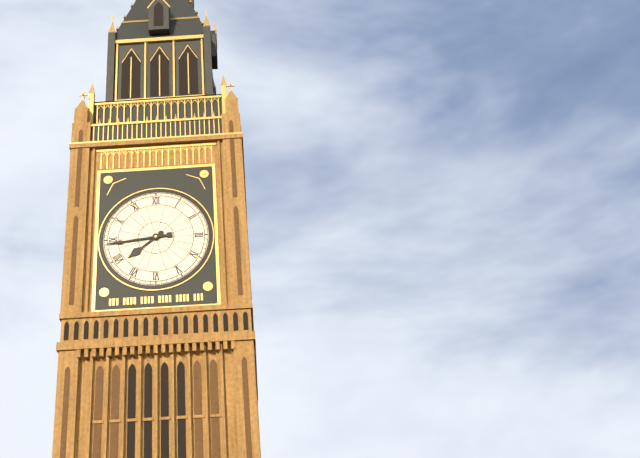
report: 7,44
